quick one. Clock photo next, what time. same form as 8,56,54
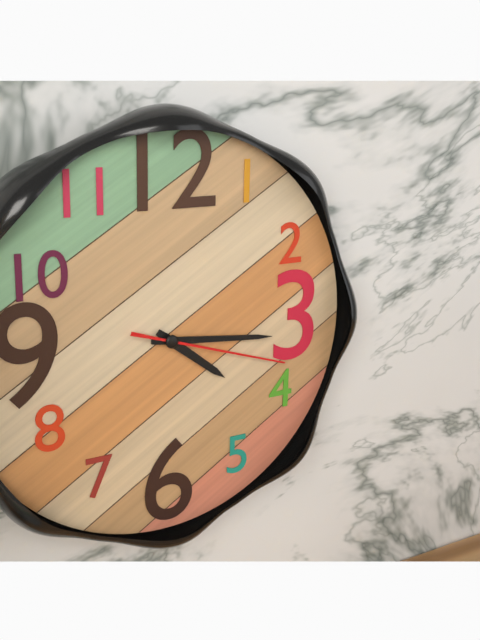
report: 4,16,18
